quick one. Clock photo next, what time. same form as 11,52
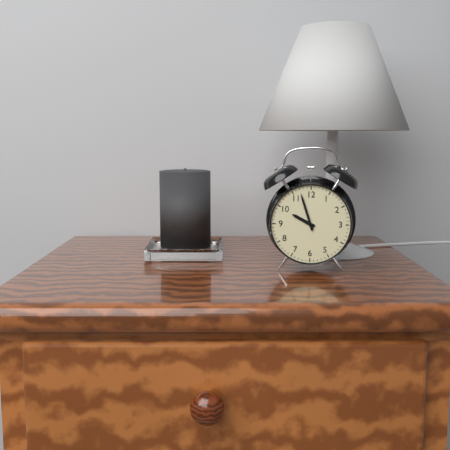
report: 9,57
